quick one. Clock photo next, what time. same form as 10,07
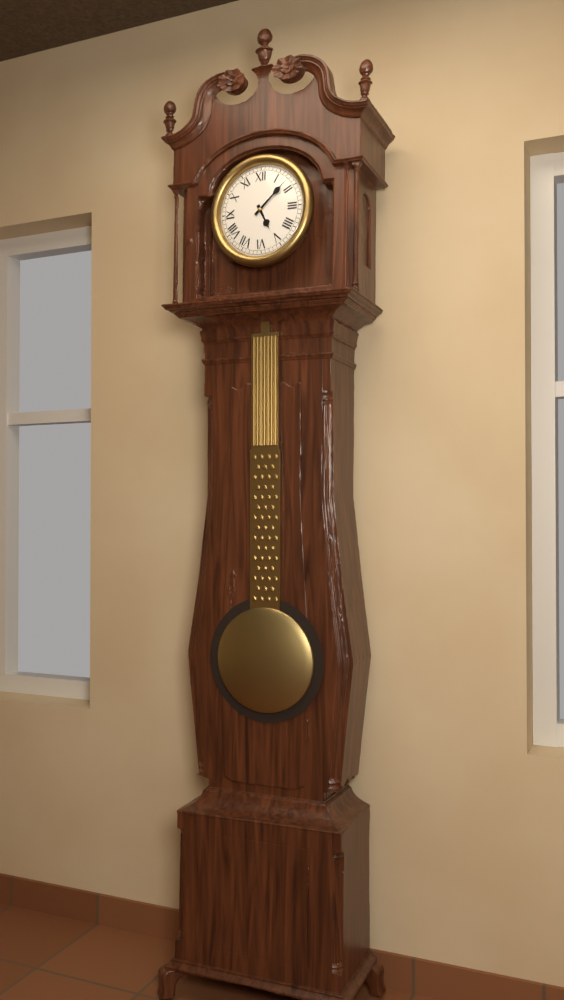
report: 5,08
